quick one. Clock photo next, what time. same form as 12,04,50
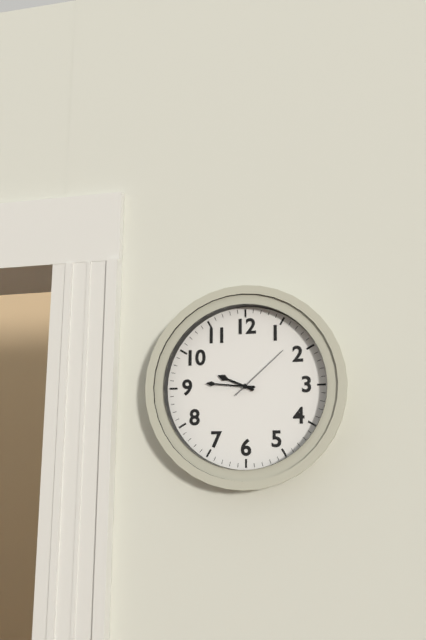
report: 9,46,08
